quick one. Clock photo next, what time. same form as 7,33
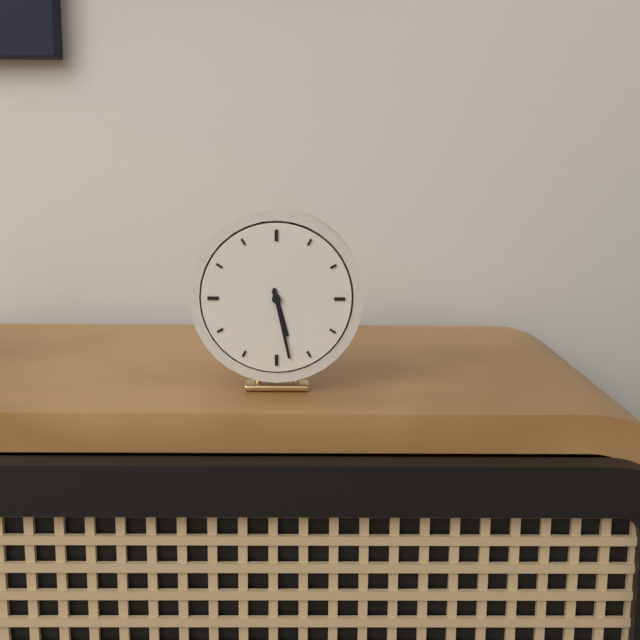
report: 5,28
